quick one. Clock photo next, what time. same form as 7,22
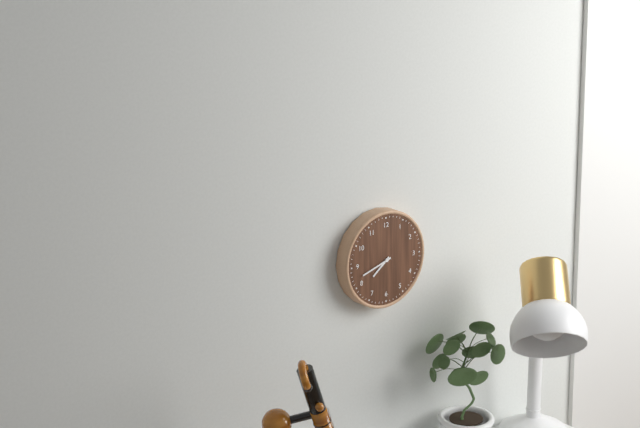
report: 7,42
